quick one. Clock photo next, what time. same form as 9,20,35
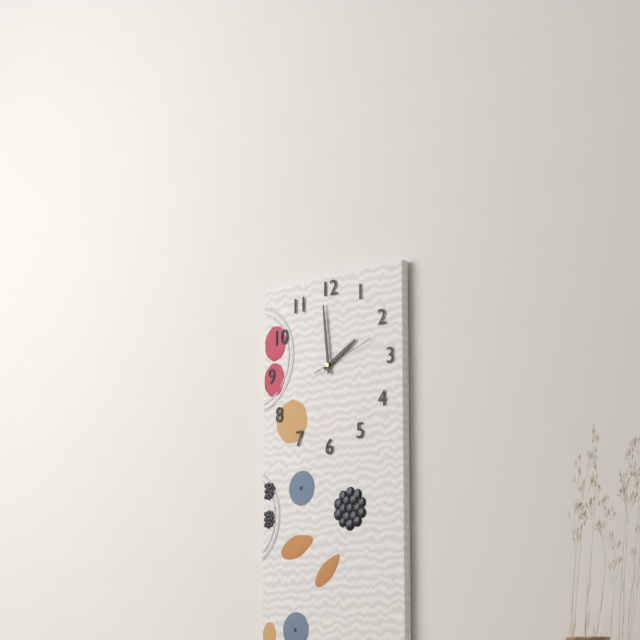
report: 1,59,12
